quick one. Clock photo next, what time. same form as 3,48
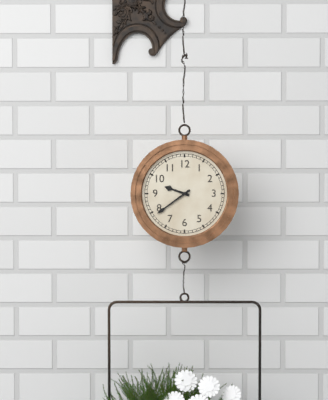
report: 9,39
